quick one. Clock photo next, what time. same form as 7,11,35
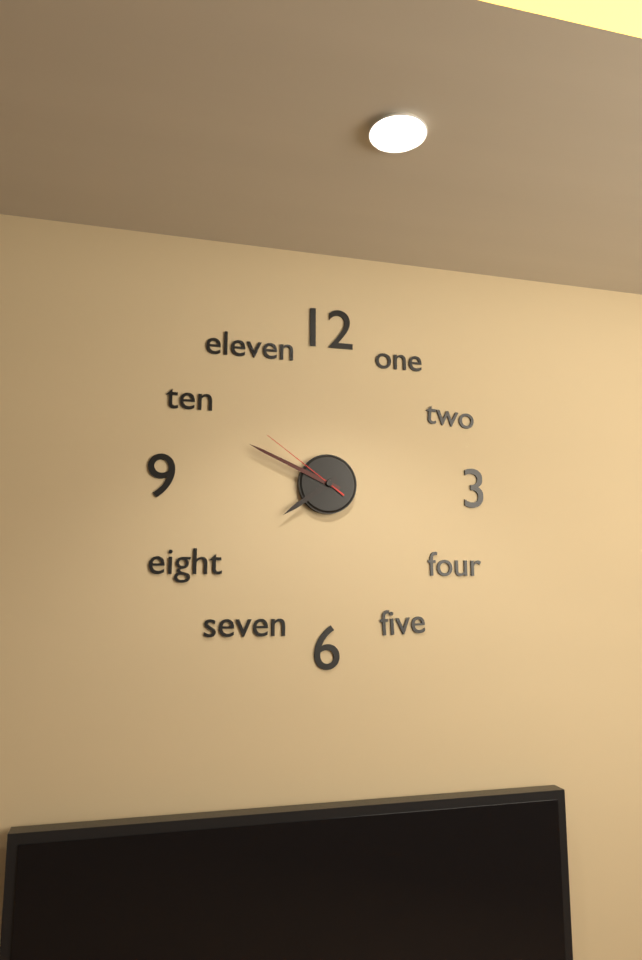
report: 7,49,51
